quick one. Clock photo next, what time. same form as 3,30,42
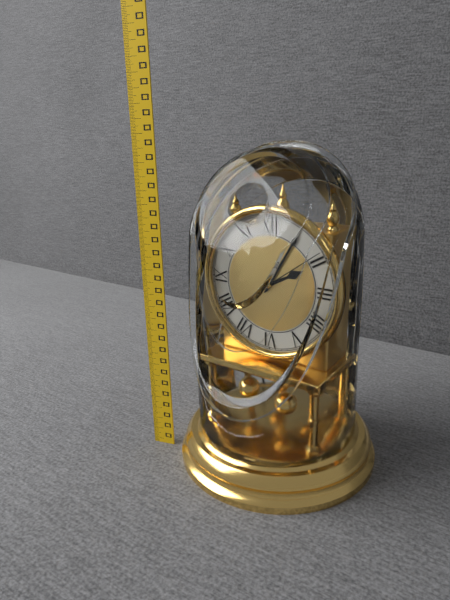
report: 2,05,09
